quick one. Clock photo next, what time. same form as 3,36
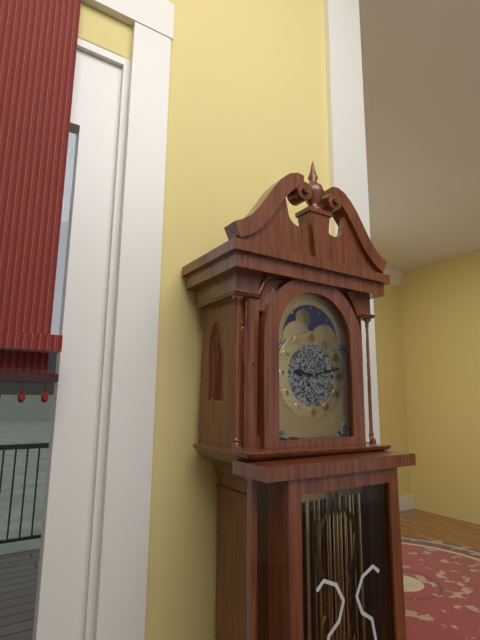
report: 9,13
